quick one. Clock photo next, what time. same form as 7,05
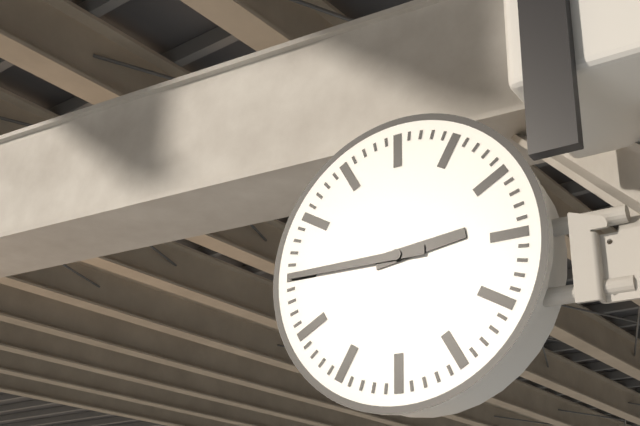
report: 2,45
